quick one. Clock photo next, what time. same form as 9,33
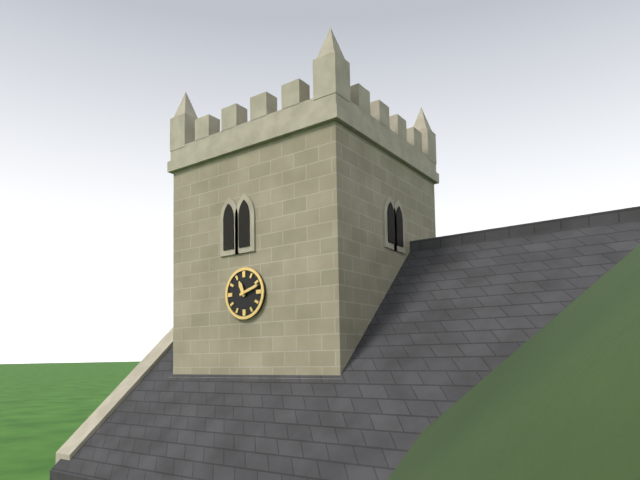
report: 11,12
